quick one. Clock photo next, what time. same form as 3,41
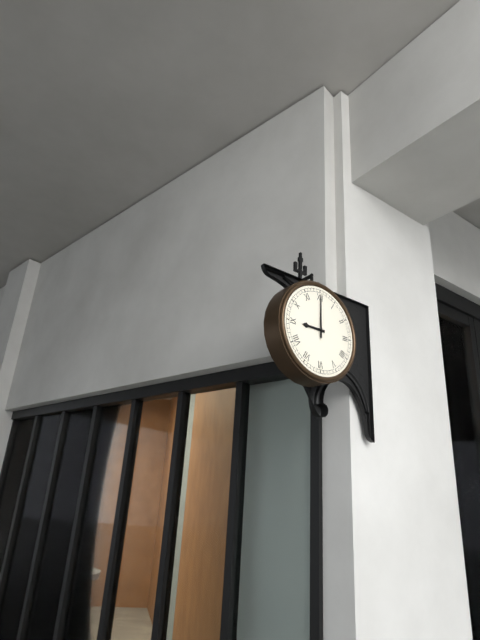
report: 9,00
